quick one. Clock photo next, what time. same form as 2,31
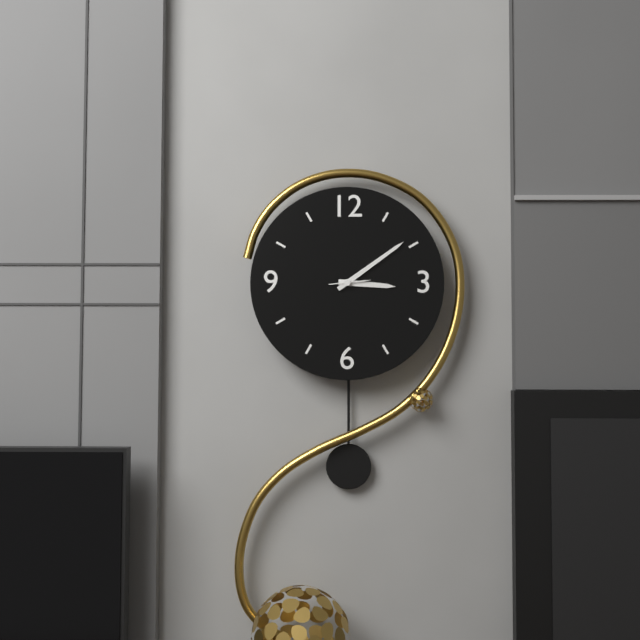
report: 3,09
